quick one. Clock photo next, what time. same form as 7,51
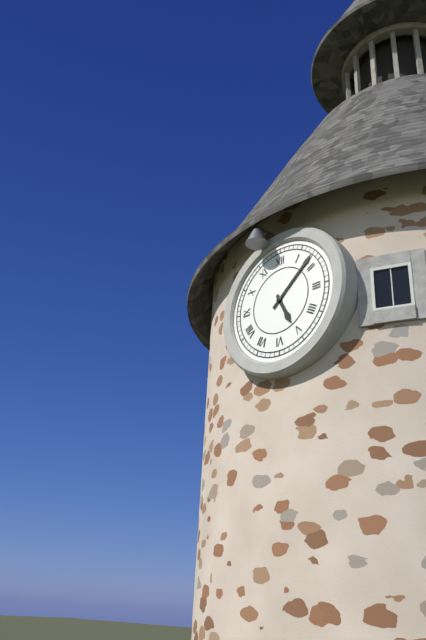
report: 5,08
